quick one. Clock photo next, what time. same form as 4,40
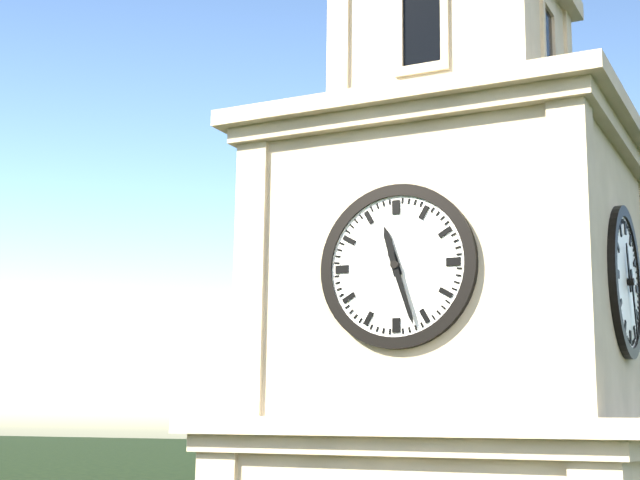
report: 11,27
